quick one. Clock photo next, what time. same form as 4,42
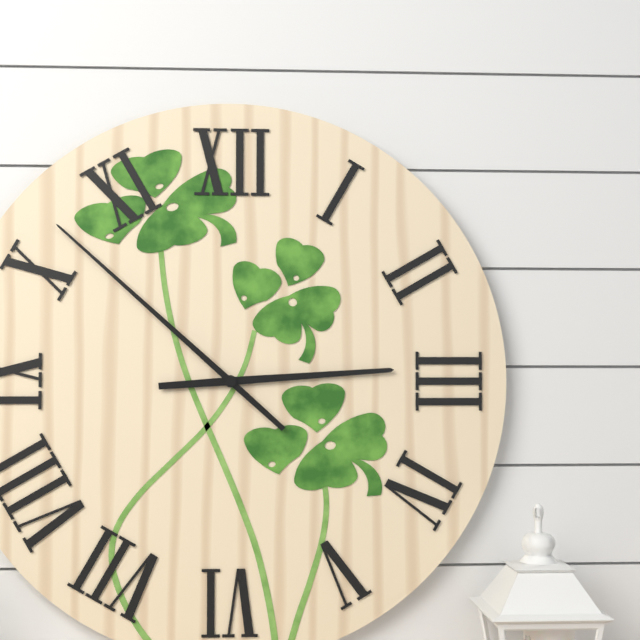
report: 2,52
